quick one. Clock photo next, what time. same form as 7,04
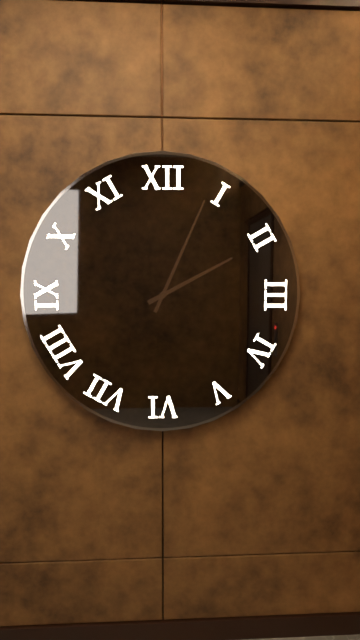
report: 2,04
